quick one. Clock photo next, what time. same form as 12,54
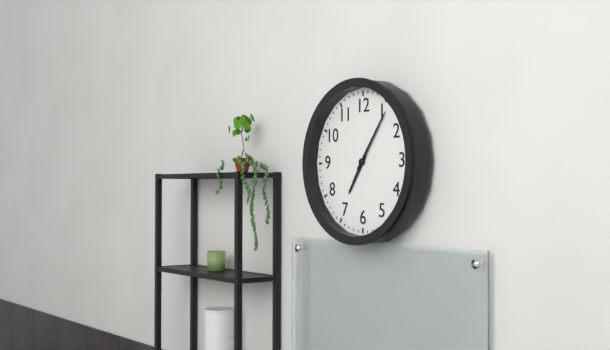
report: 7,06
